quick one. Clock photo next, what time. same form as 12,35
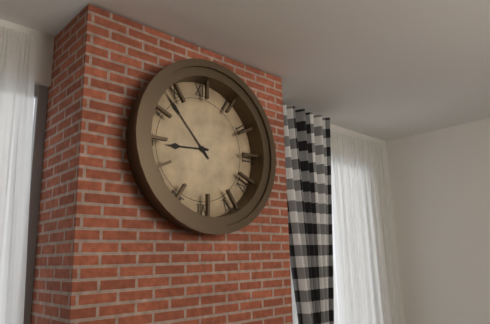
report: 8,53
